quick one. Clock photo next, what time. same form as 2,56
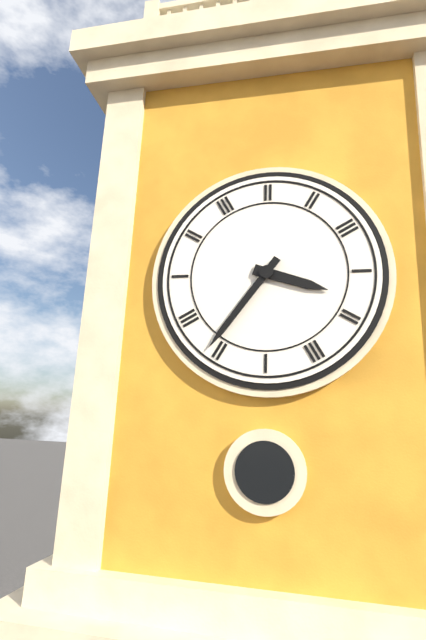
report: 3,36
